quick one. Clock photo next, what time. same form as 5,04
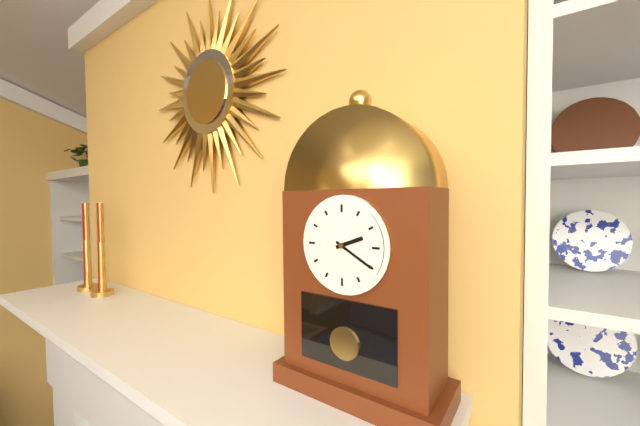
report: 2,20
